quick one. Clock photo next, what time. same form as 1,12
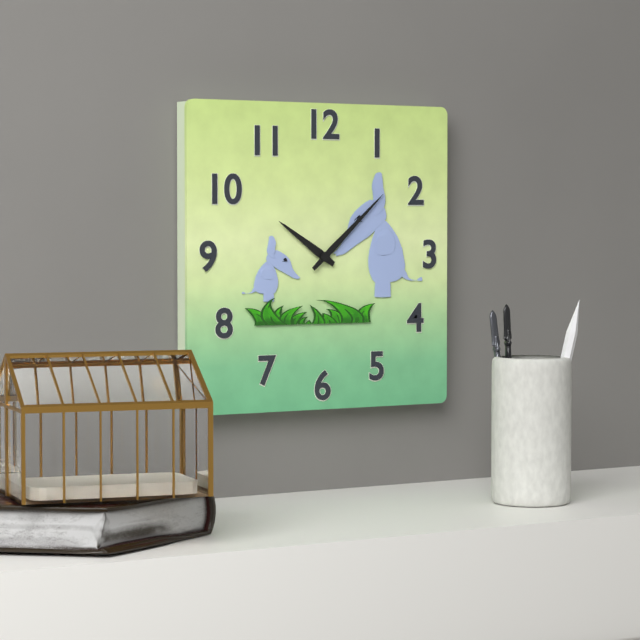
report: 10,08
